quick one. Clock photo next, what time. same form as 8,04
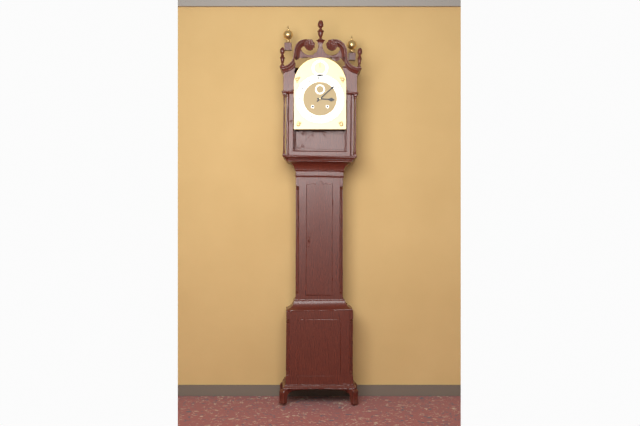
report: 3,08
